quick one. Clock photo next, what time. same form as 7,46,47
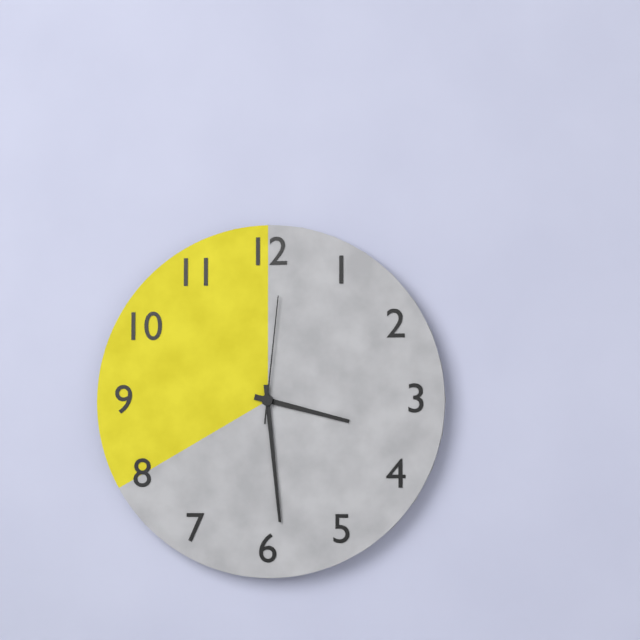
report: 3,29,01
